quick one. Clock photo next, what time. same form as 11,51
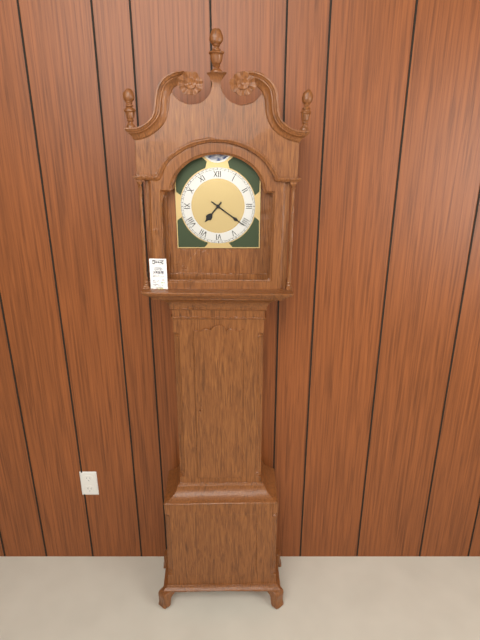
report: 7,21
